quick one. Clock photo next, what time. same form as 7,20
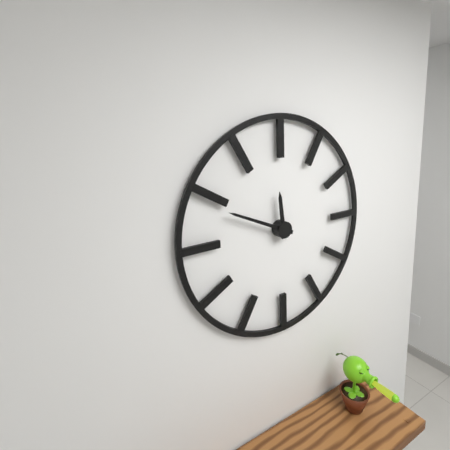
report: 11,49
